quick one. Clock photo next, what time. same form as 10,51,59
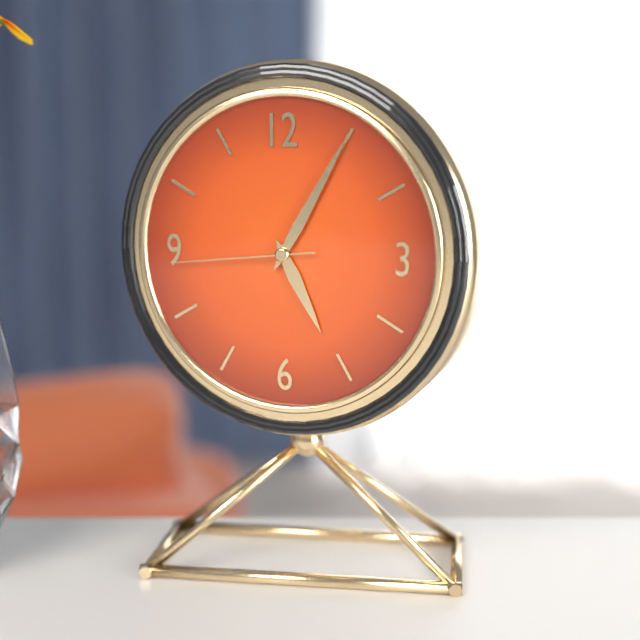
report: 5,05,44
